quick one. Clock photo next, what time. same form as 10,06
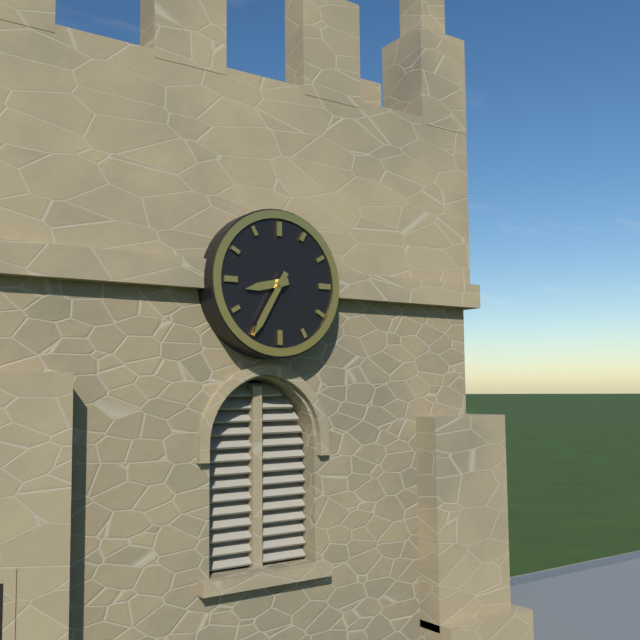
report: 8,35
